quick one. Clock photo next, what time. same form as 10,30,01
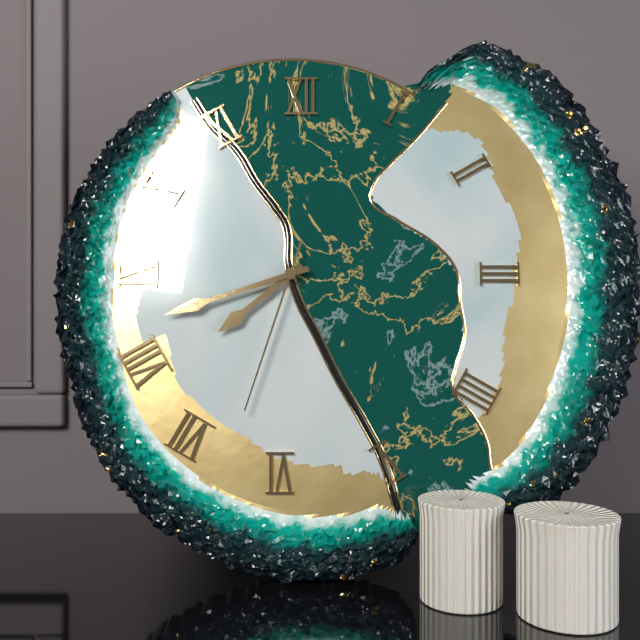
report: 7,42,33
